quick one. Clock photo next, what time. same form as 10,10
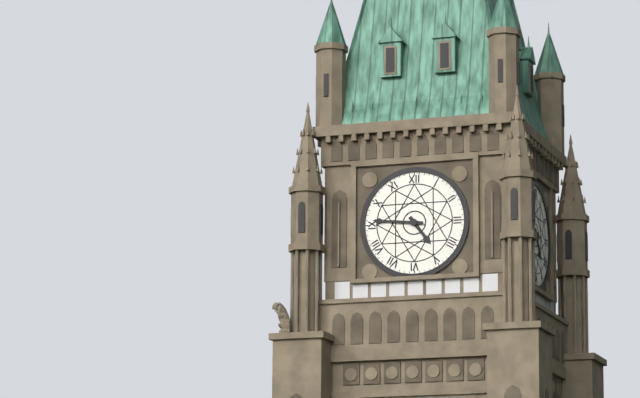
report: 4,46
